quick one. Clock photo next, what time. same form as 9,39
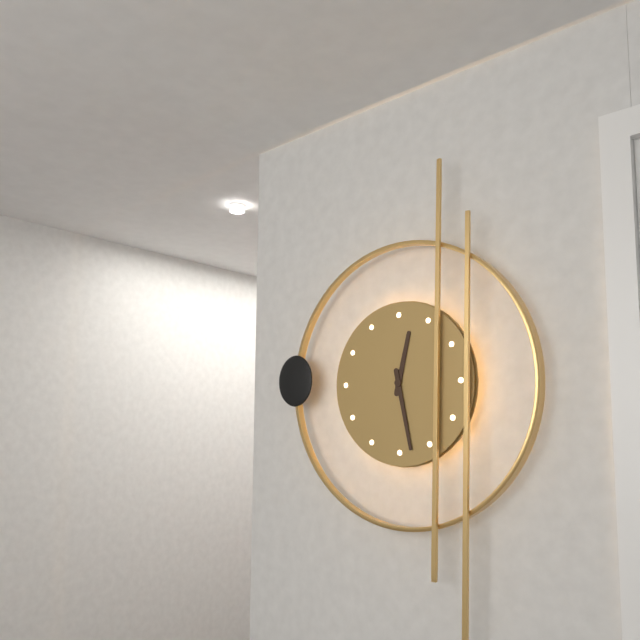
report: 12,28
